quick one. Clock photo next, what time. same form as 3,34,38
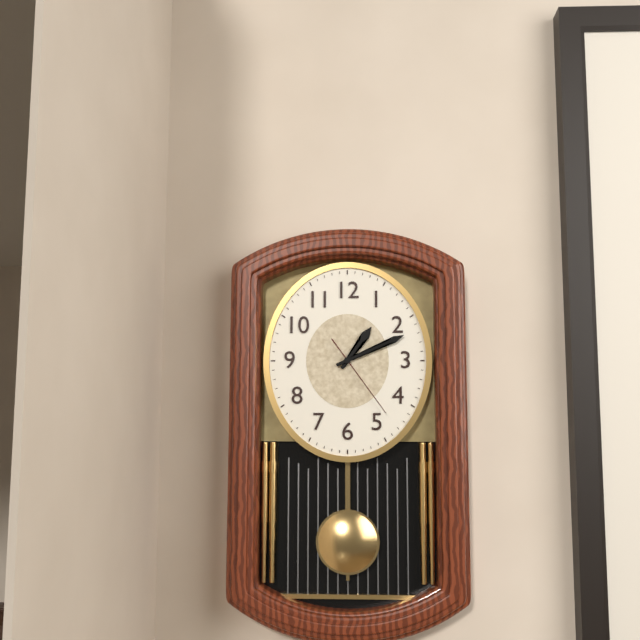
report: 1,11,24
